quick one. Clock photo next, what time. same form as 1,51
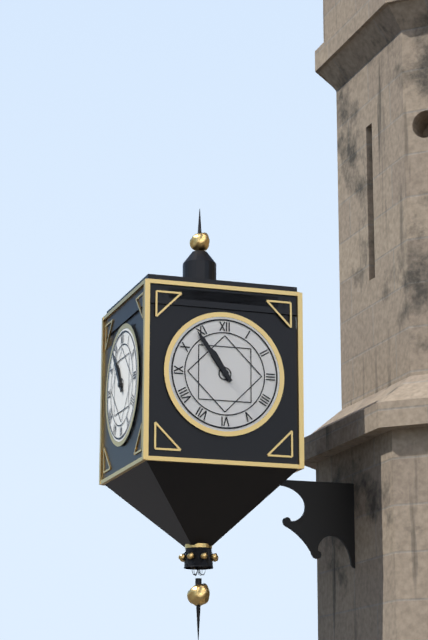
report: 10,54
